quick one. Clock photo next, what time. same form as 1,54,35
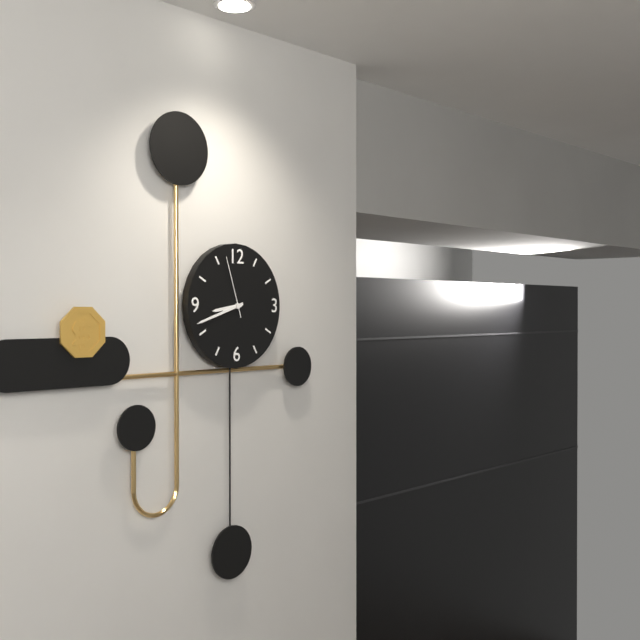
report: 8,42,57
